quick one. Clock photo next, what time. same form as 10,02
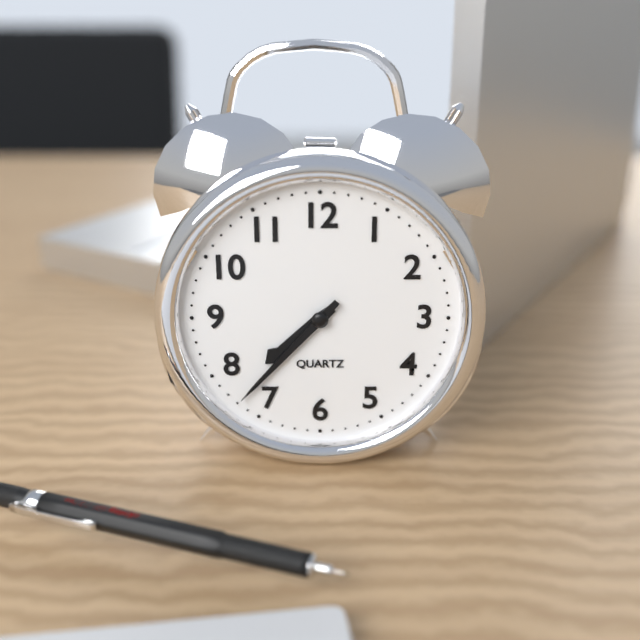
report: 7,37
